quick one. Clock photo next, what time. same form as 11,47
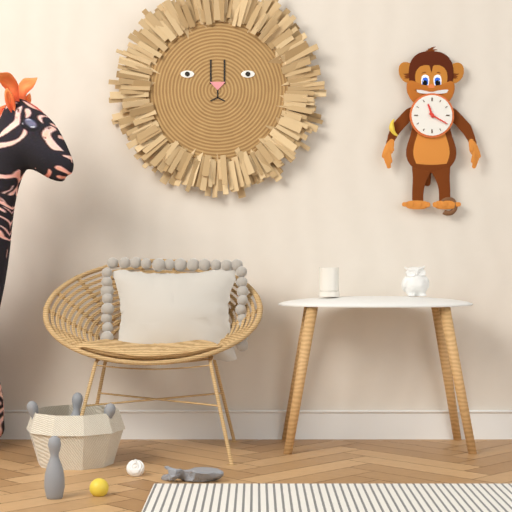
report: 11,20
